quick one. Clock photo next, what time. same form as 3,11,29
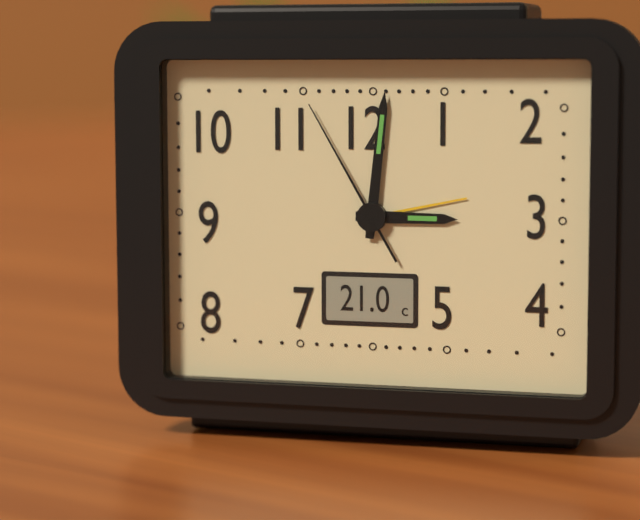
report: 3,01,55
